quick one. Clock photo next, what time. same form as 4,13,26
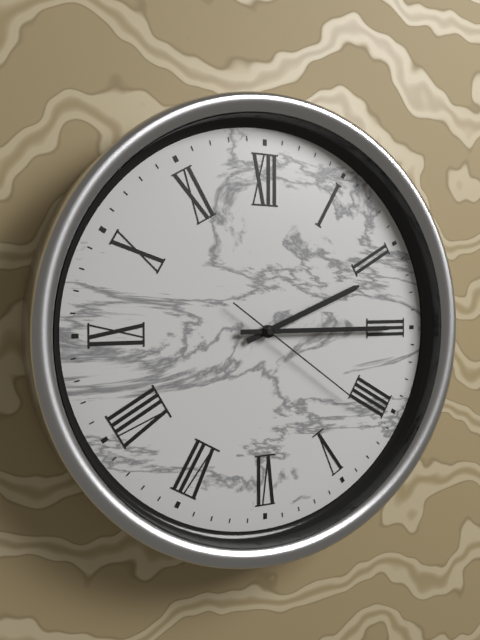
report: 2,15,21
